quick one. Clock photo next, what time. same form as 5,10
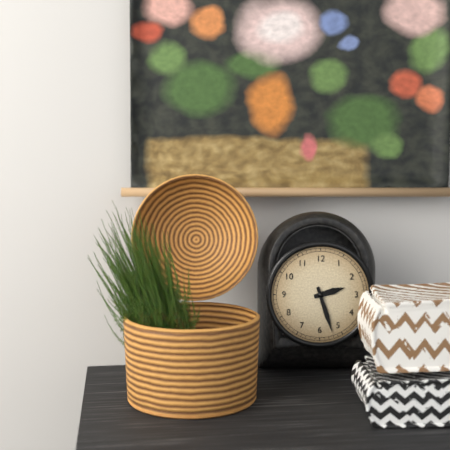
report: 2,27
